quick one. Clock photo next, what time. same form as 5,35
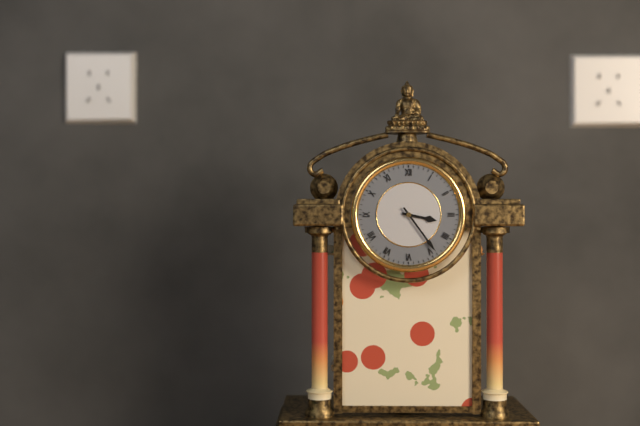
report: 3,24
